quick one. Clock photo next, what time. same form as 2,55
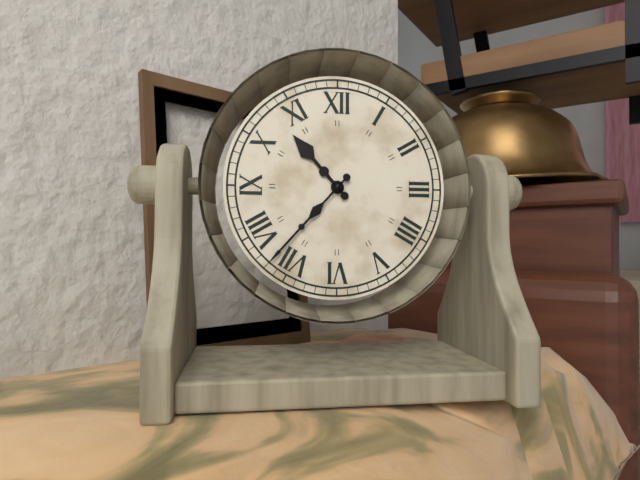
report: 10,37
